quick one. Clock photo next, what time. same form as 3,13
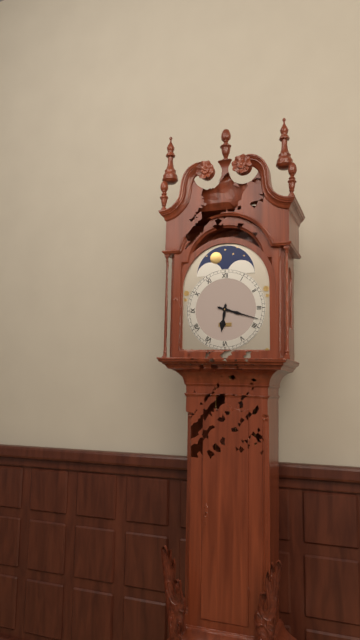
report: 6,18
